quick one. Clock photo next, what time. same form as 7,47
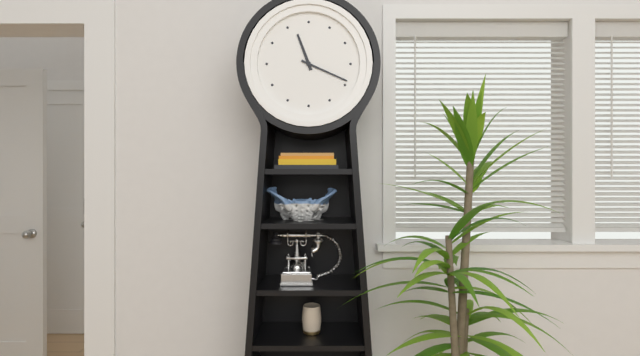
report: 11,19
